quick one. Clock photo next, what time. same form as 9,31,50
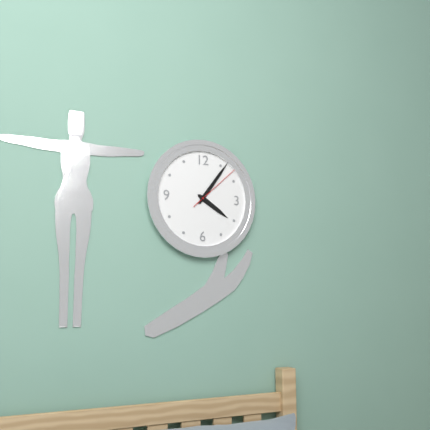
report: 4,06,08
